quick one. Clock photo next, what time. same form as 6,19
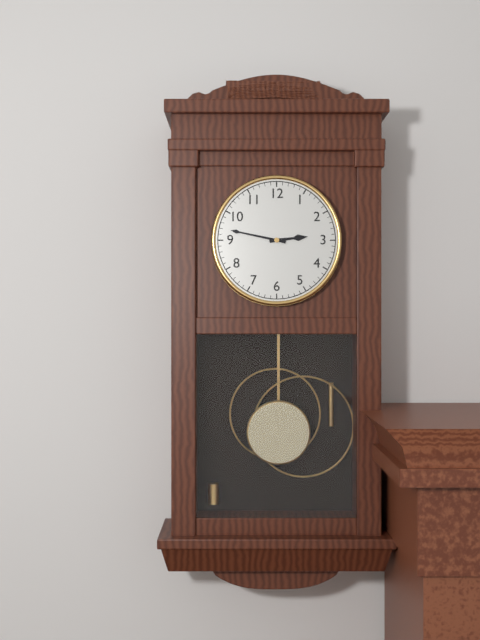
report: 2,47
